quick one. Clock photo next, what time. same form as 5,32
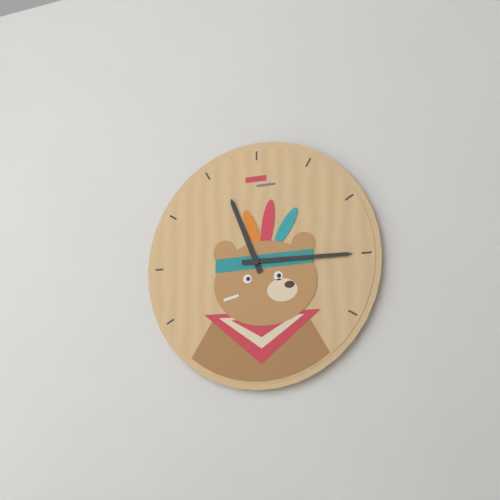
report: 11,15
